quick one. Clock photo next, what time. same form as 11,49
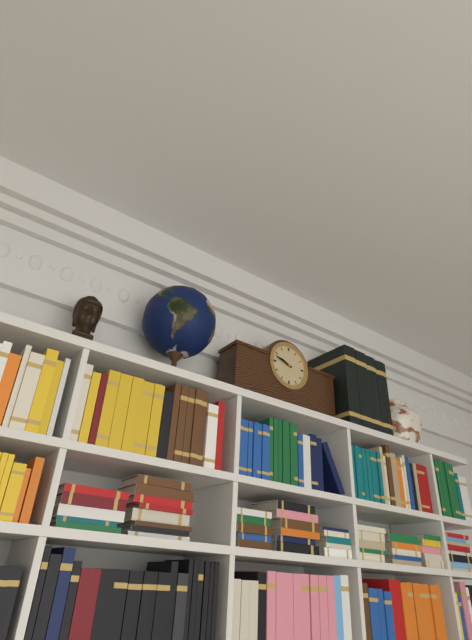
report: 9,48
